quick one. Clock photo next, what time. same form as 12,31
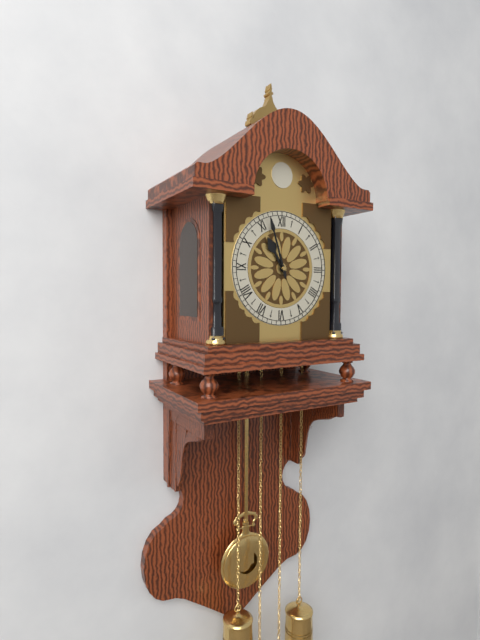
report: 10,57
